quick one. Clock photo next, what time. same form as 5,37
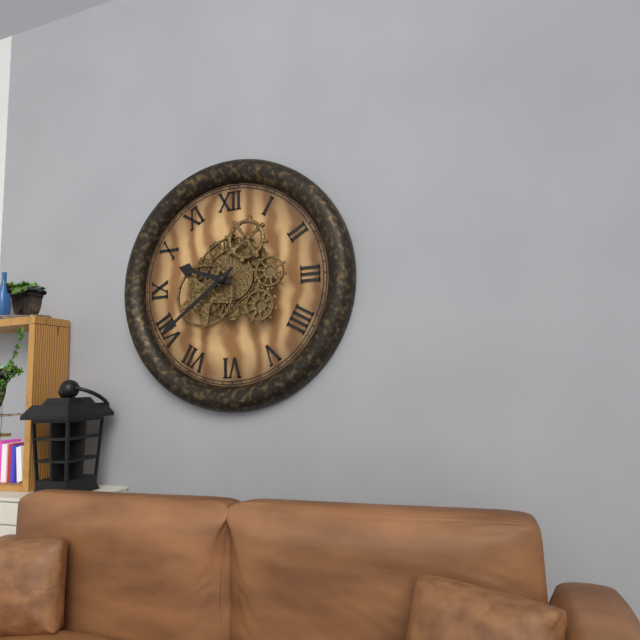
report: 9,39
